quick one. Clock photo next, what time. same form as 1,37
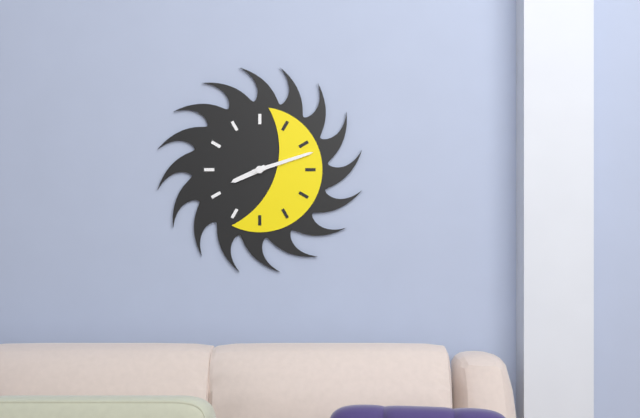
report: 8,12
